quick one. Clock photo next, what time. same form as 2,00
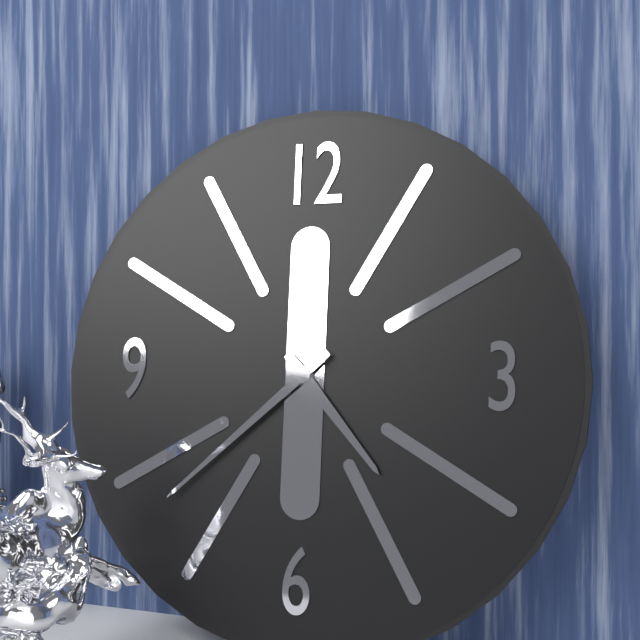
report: 4,38
